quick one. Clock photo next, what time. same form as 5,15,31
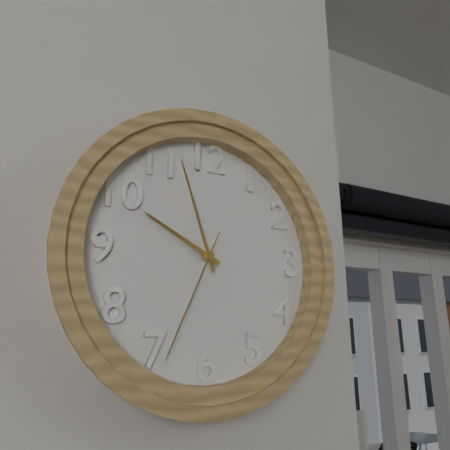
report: 9,57,34
